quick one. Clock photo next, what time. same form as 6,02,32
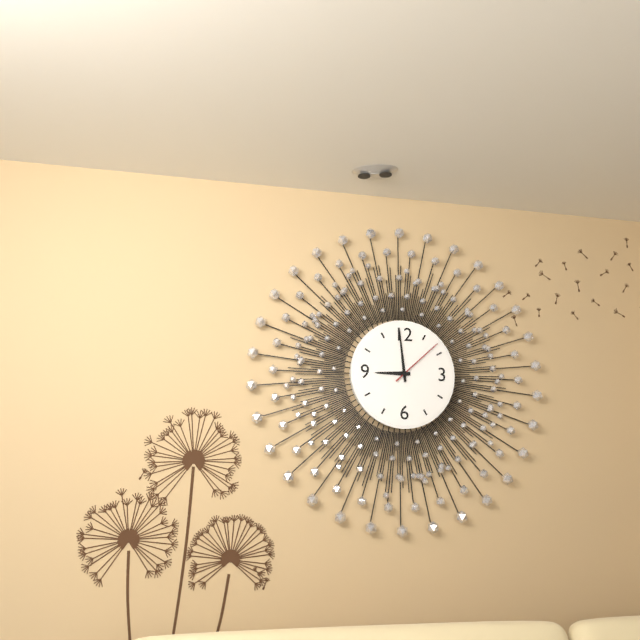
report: 8,59,08
